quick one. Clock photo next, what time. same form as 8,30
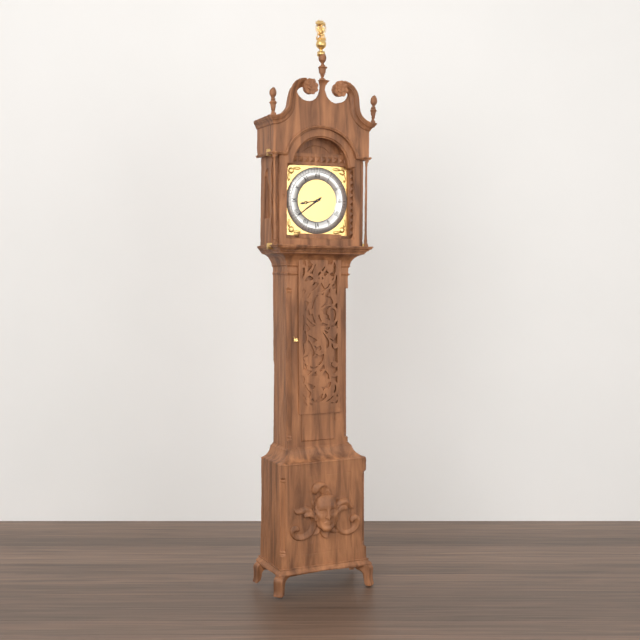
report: 8,39
